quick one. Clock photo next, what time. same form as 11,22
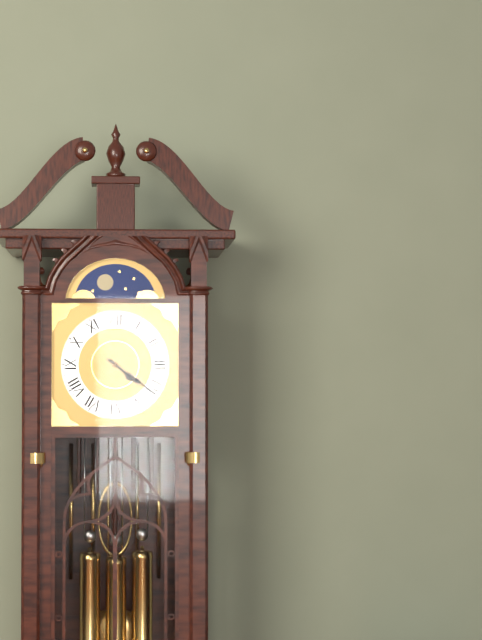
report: 4,21
